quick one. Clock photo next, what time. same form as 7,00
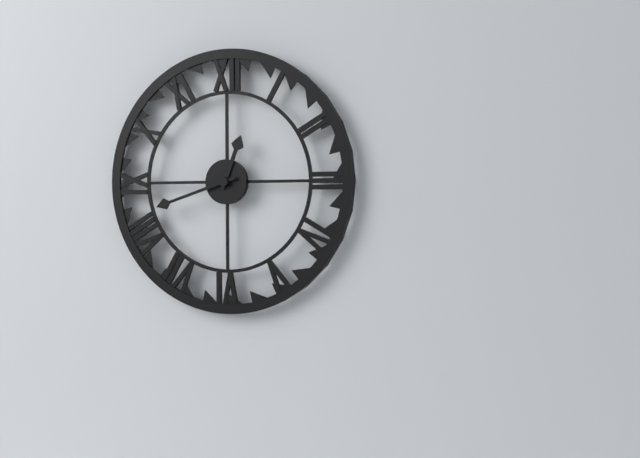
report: 12,42
